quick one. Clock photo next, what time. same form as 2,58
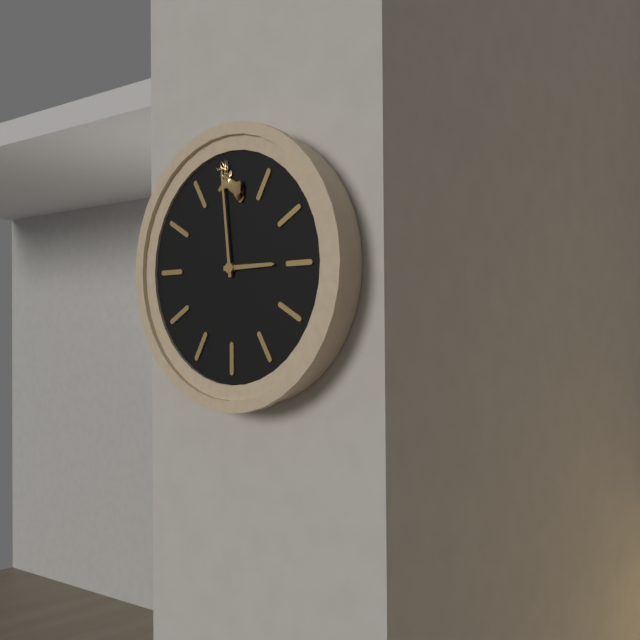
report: 2,59
